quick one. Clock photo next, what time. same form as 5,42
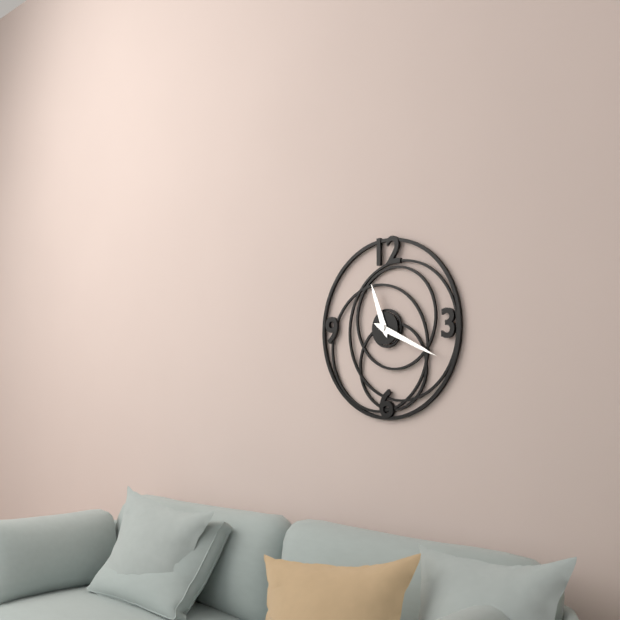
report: 11,19
